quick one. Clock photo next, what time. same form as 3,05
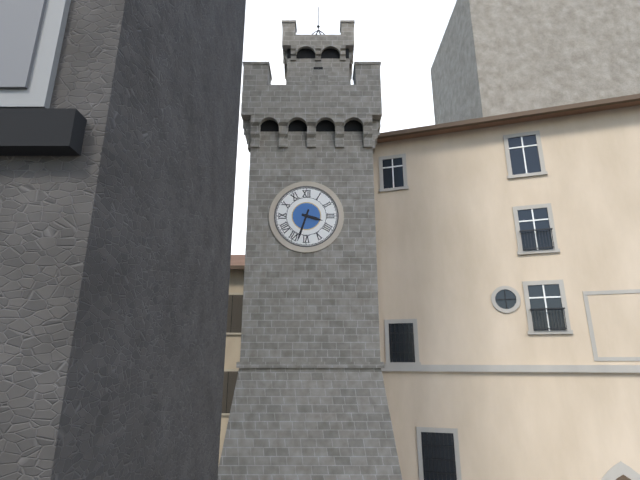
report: 3,33
